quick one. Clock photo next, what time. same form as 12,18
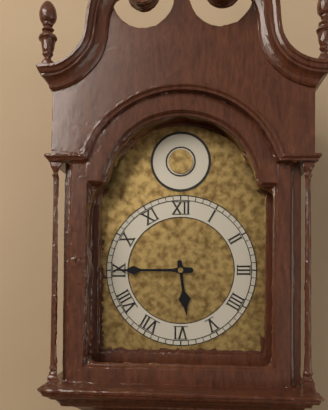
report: 5,45
